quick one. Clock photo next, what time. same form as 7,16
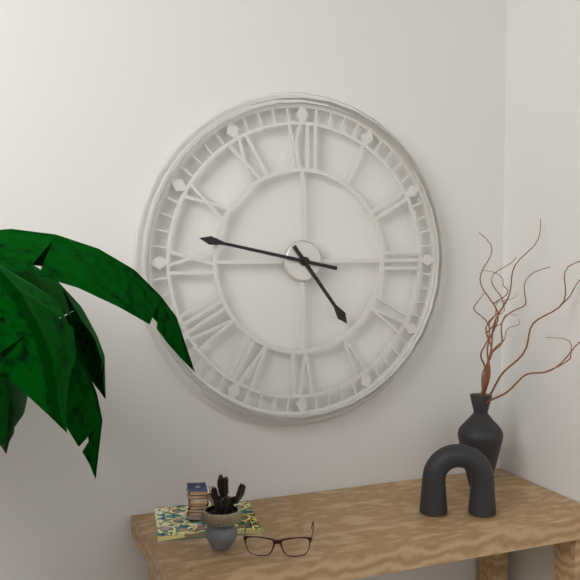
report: 4,47
